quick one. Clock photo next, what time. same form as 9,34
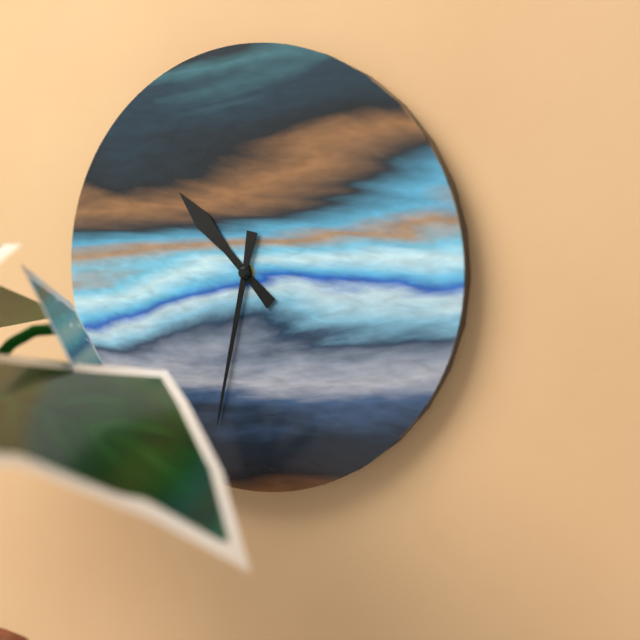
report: 10,32
